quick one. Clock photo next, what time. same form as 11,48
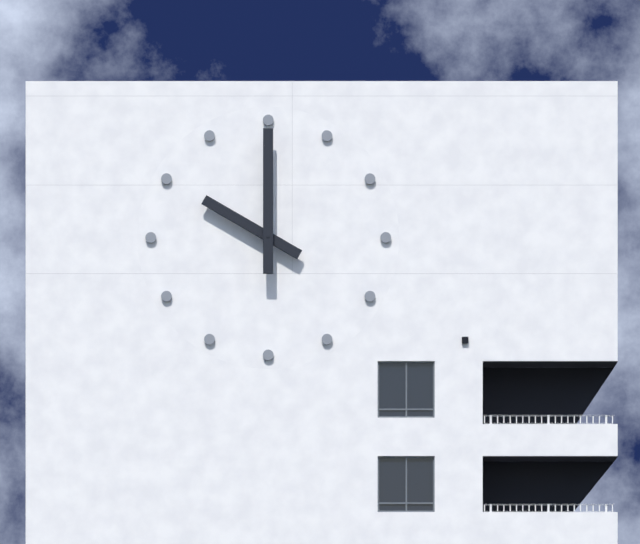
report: 10,00
